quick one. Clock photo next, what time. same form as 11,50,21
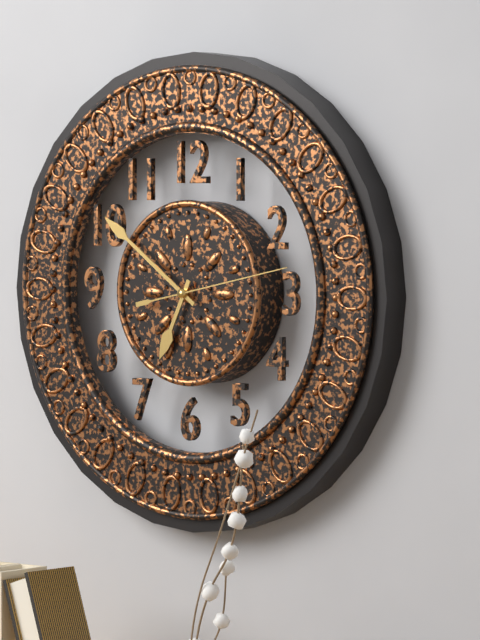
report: 6,51,13
